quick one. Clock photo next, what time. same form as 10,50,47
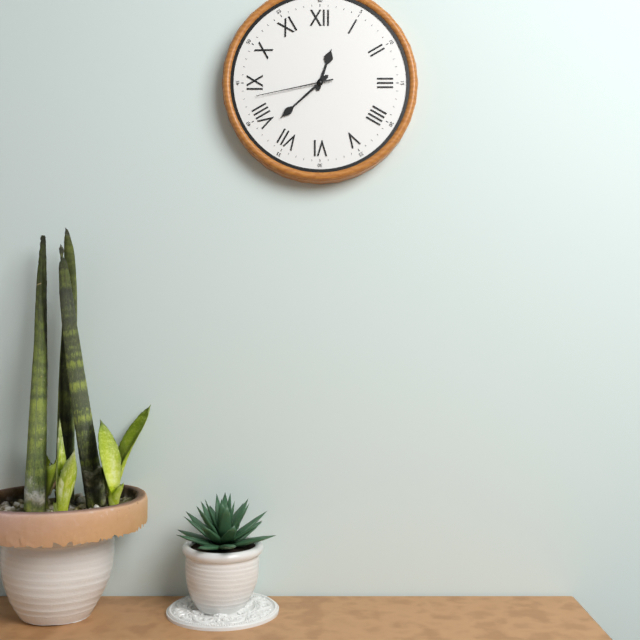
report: 12,38,43
